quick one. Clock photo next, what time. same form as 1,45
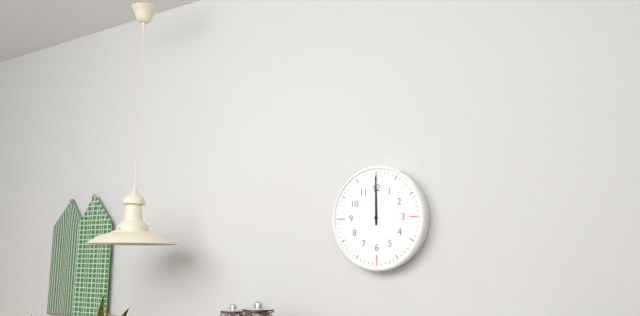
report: 12,00
